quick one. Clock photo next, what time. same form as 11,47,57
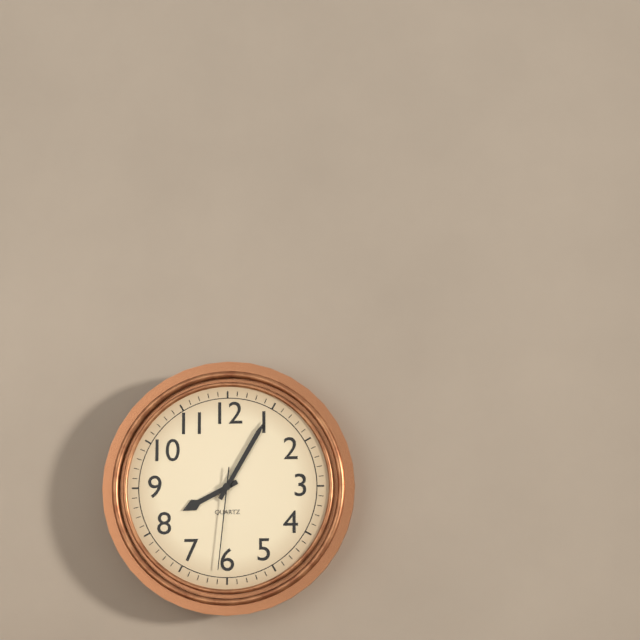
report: 8,05,31
